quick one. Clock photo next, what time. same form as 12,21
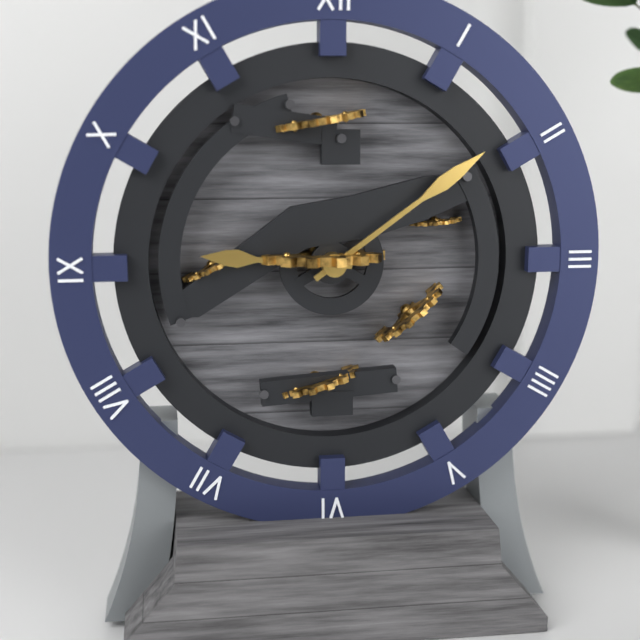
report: 9,09
